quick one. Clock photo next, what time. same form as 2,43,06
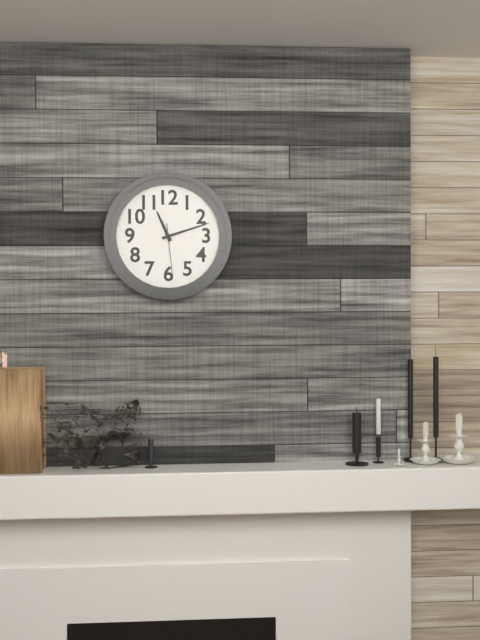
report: 11,12,29
